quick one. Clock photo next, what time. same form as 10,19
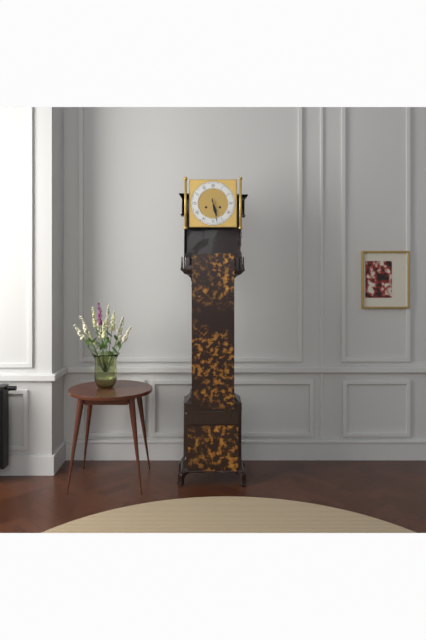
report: 5,28
